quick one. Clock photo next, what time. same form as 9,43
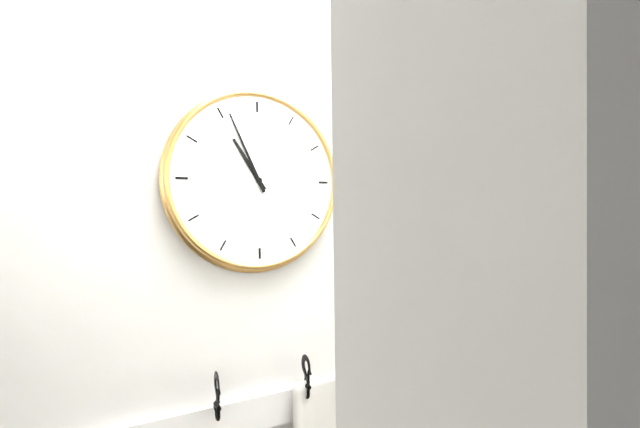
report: 10,56
